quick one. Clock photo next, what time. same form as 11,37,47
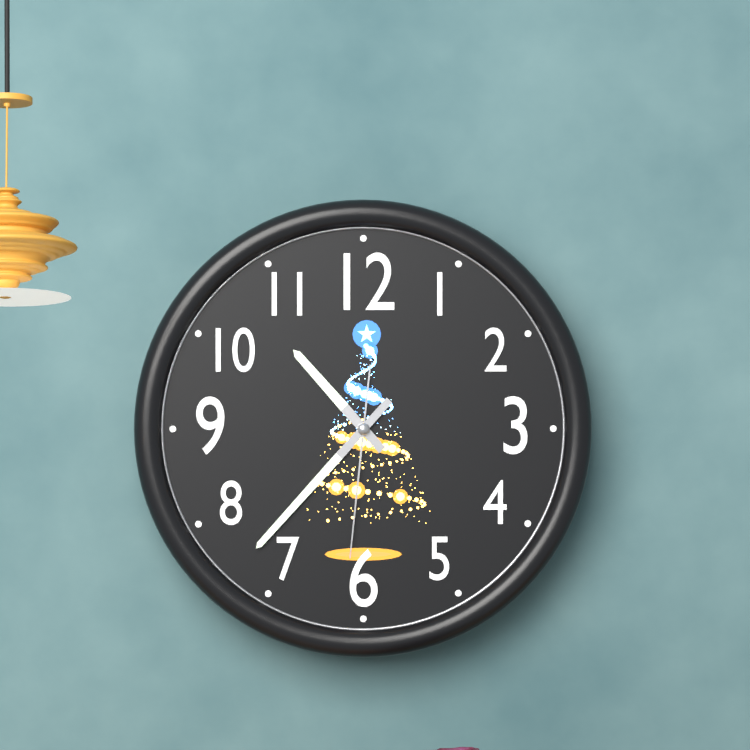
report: 10,37,31
